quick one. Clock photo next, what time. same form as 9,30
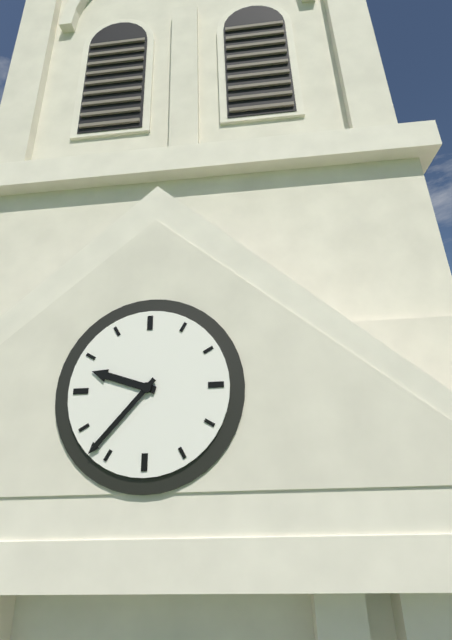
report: 9,37
